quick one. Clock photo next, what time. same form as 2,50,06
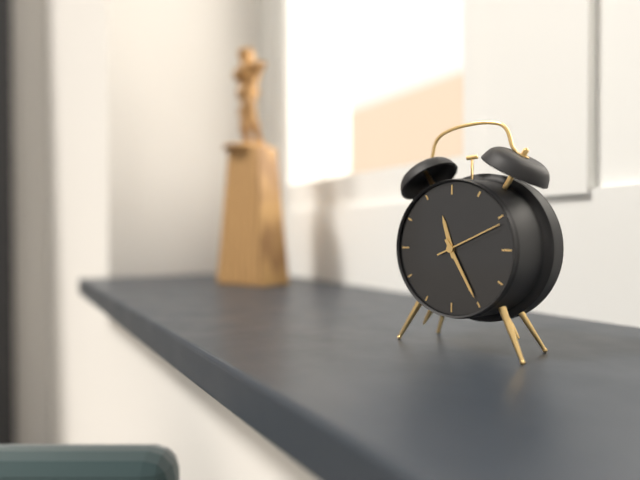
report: 11,25,11
